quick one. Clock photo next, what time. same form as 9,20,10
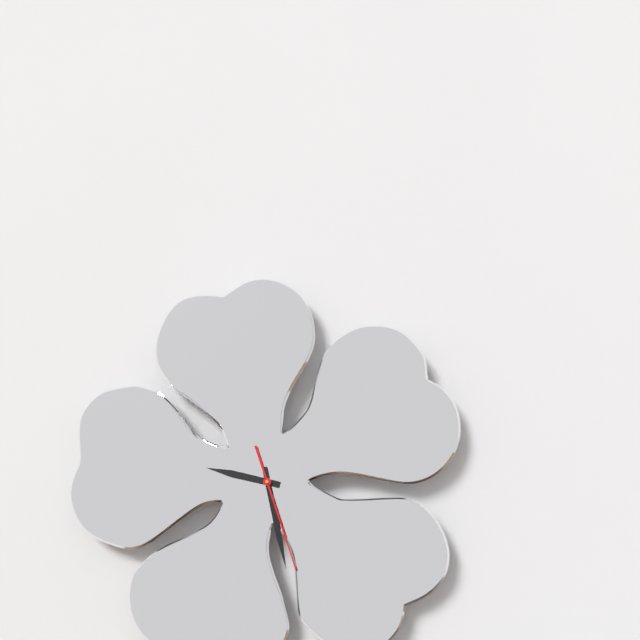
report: 9,28,27
